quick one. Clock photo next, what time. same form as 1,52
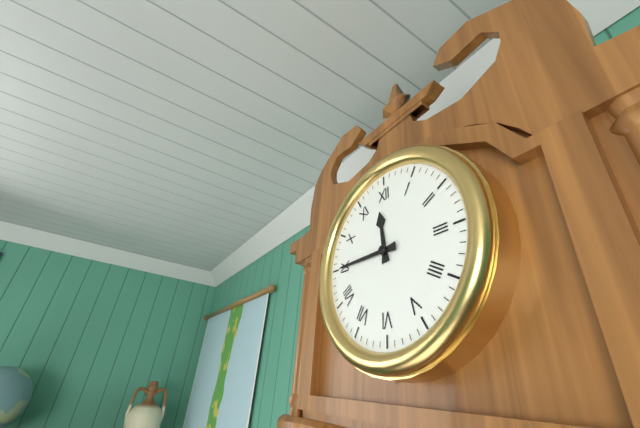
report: 11,45
